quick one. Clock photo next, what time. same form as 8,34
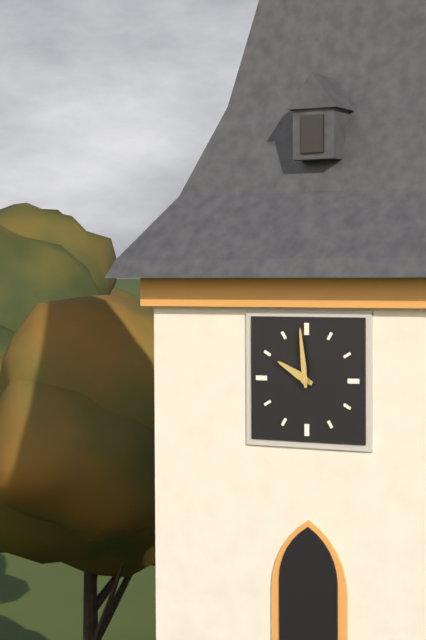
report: 9,59
